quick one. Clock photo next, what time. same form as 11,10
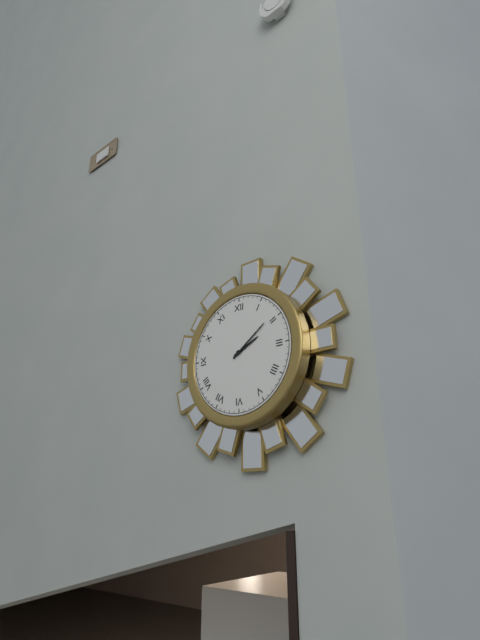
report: 2,09
